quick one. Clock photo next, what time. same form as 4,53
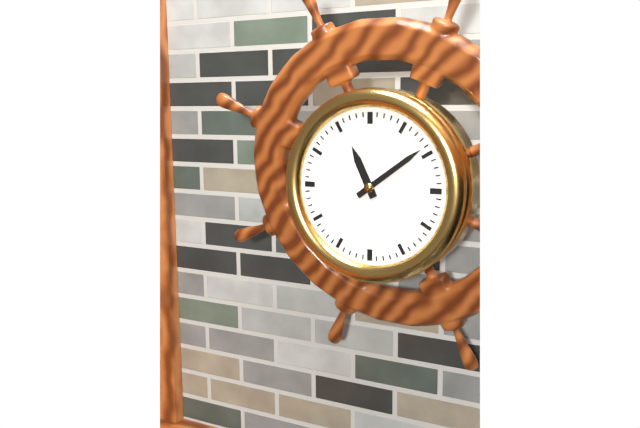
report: 11,09
